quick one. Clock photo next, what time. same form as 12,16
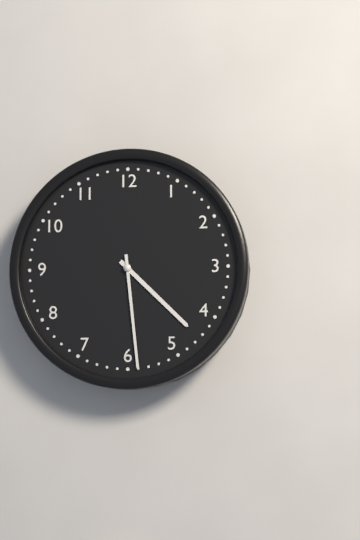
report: 4,29
